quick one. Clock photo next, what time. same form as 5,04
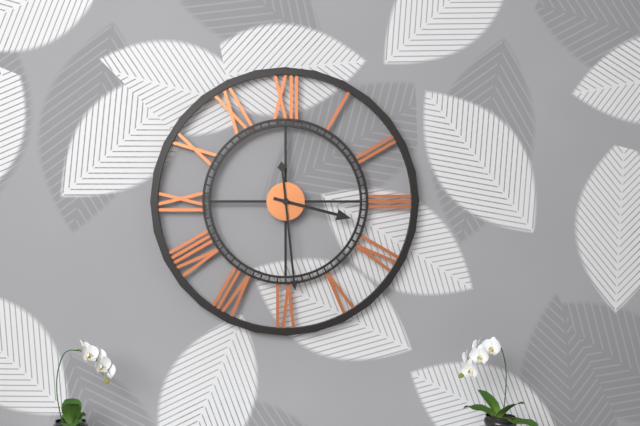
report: 3,29
